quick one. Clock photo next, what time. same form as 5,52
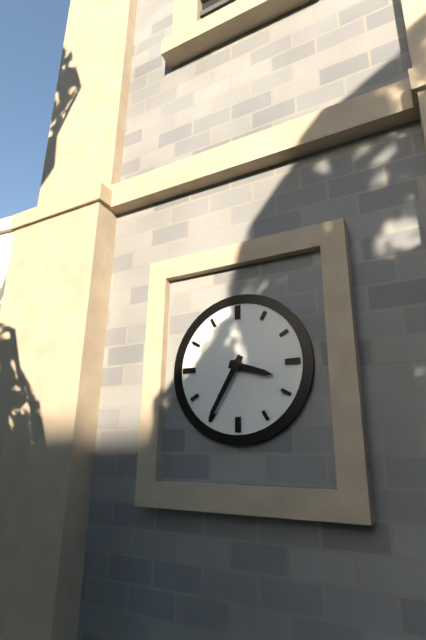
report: 3,35
